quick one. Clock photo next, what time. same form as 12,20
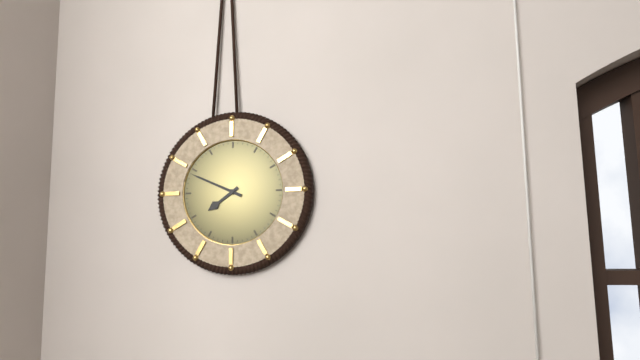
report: 7,49
